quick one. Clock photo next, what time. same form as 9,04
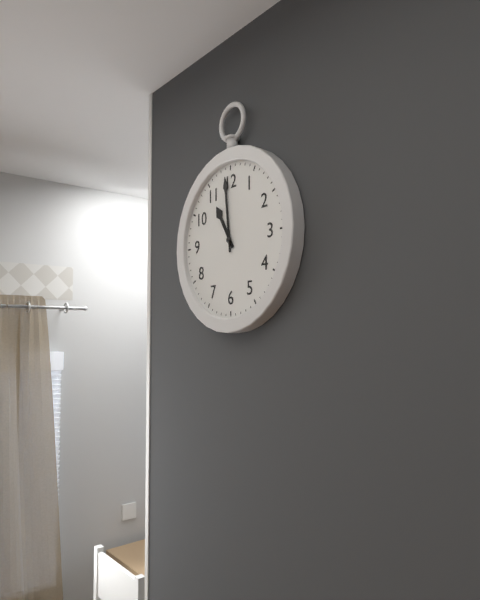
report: 10,59
